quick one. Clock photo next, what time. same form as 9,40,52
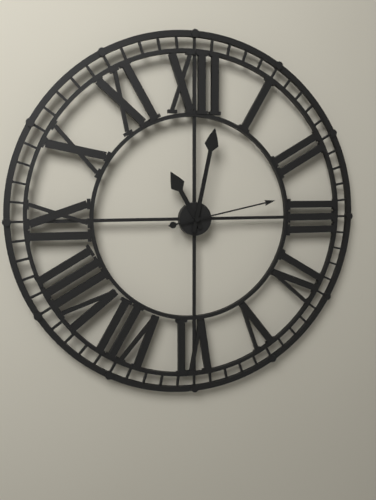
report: 11,02,13
